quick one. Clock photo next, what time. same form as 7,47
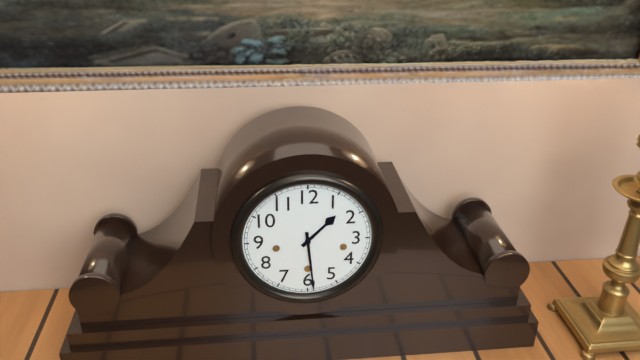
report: 1,29
